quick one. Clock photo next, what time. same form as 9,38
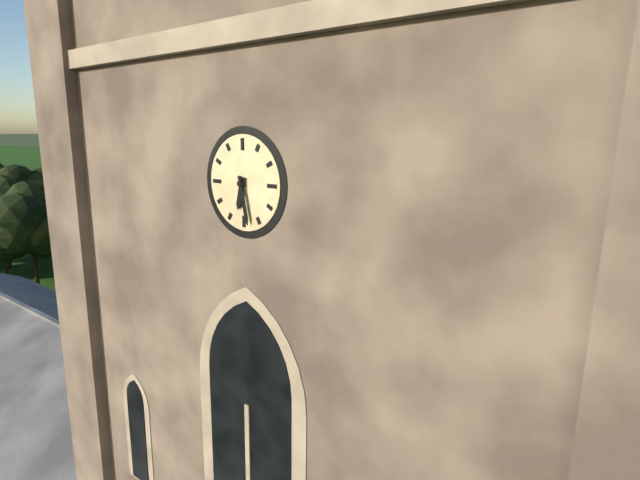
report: 6,28
